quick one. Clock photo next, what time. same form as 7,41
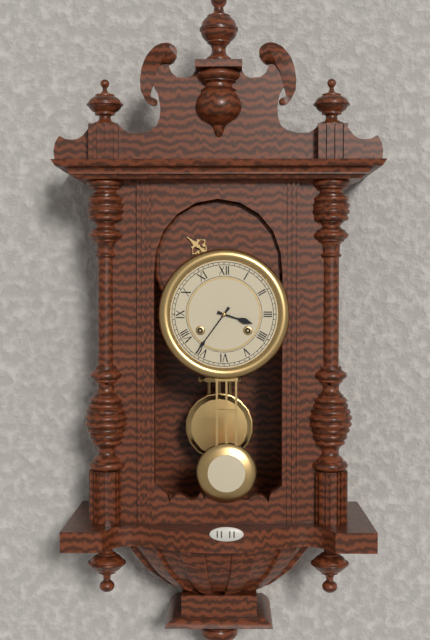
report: 3,36
